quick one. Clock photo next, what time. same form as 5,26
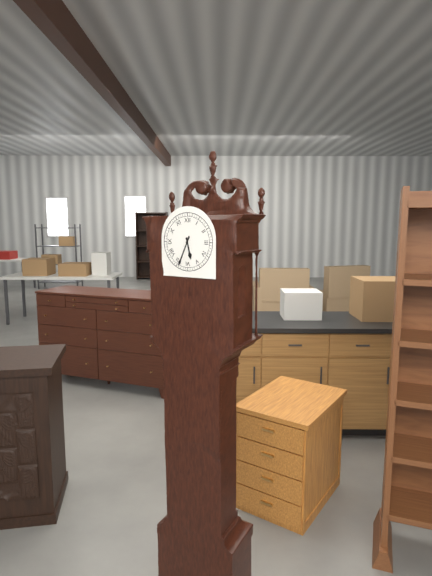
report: 5,34
